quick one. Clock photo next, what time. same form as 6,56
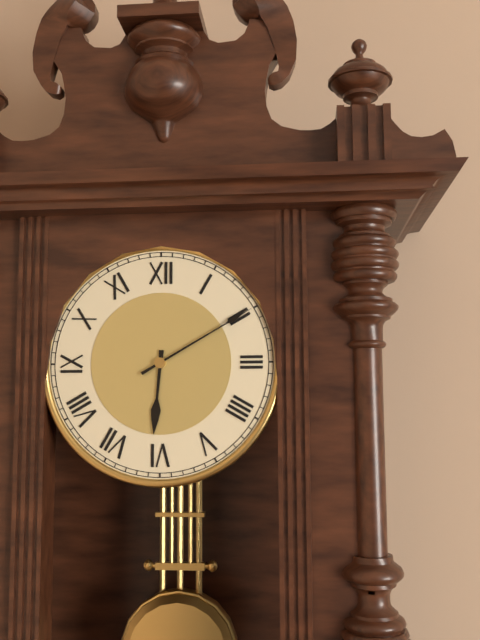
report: 6,10
